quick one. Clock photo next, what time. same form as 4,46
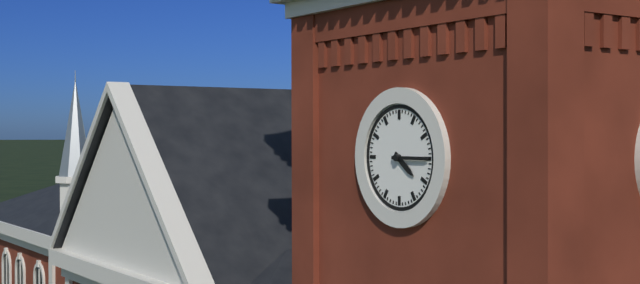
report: 4,15
